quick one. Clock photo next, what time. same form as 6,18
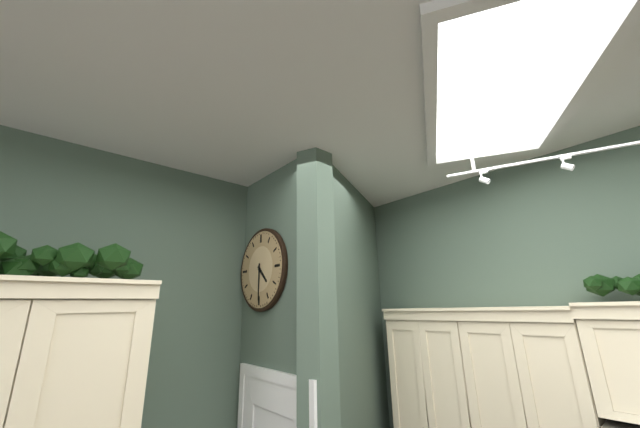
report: 4,30
